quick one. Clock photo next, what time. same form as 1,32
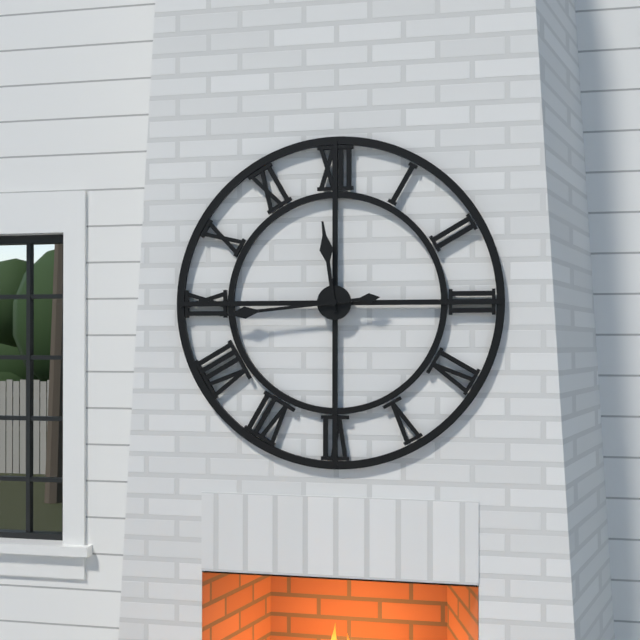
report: 11,44
